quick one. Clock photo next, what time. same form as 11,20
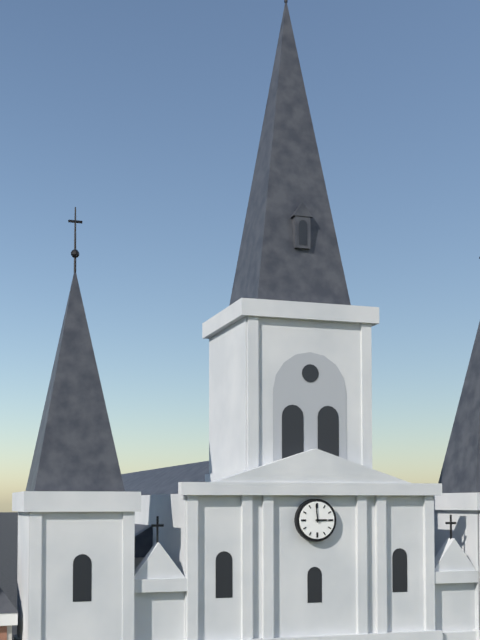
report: 2,59
